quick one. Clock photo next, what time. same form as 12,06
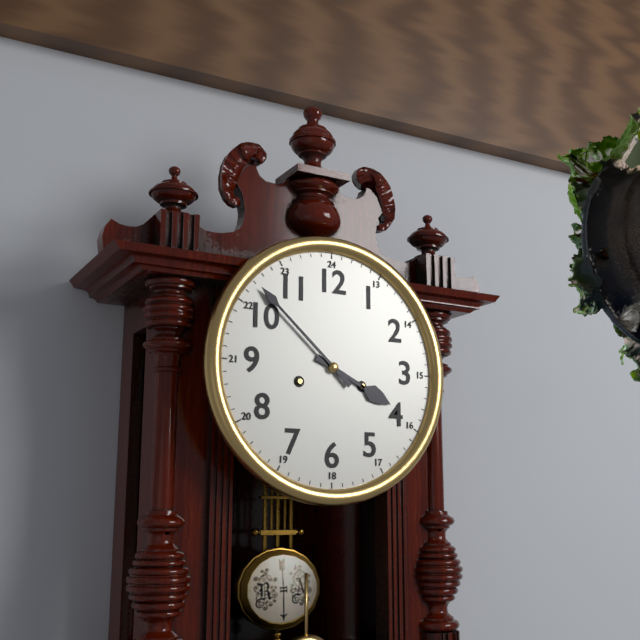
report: 3,52
